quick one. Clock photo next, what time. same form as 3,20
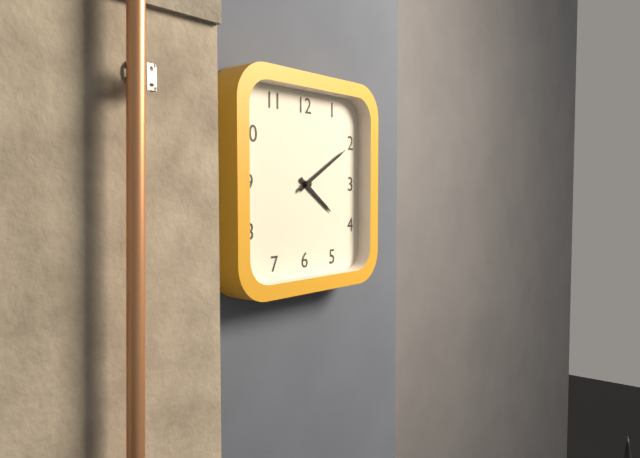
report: 4,10
